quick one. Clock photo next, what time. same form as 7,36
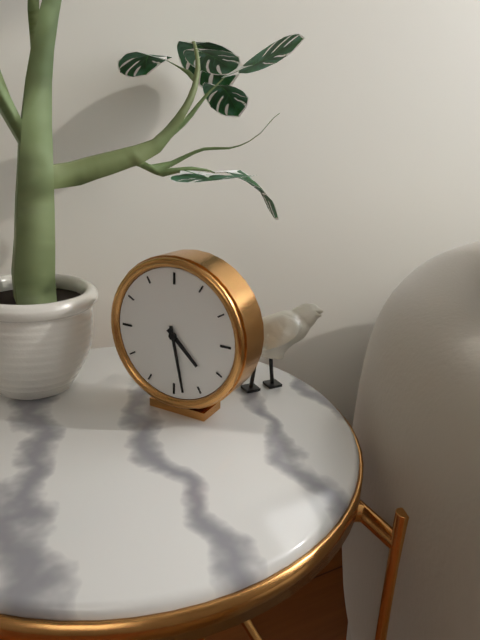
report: 4,28
